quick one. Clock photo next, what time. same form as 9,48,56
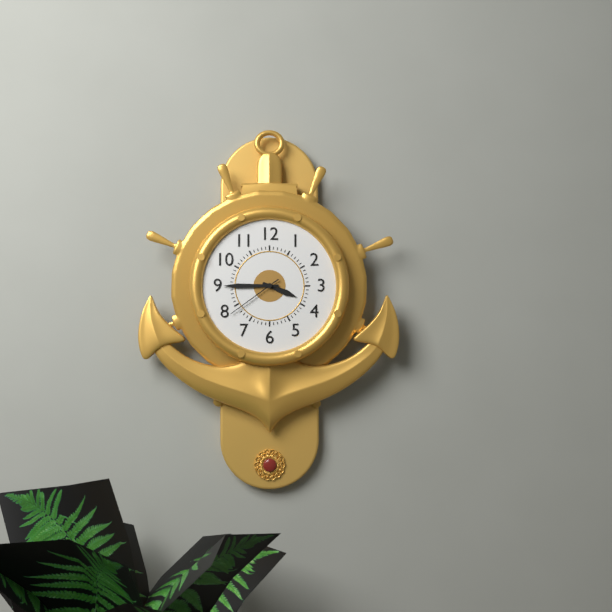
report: 3,45,39
